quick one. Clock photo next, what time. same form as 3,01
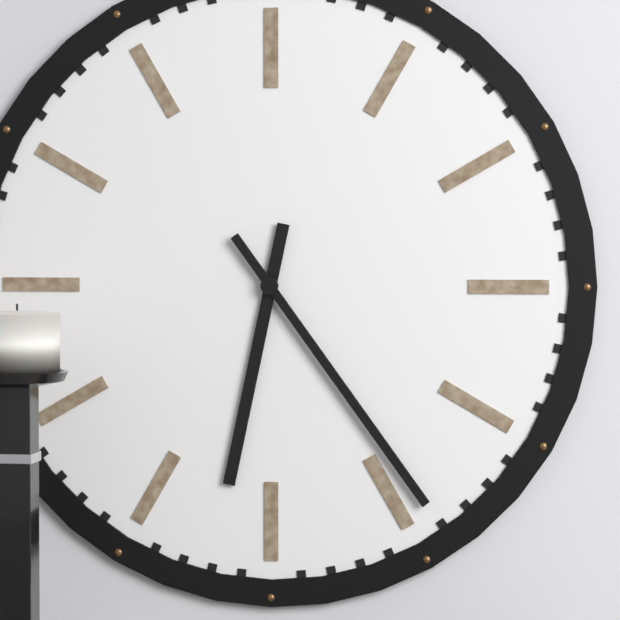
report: 6,24
